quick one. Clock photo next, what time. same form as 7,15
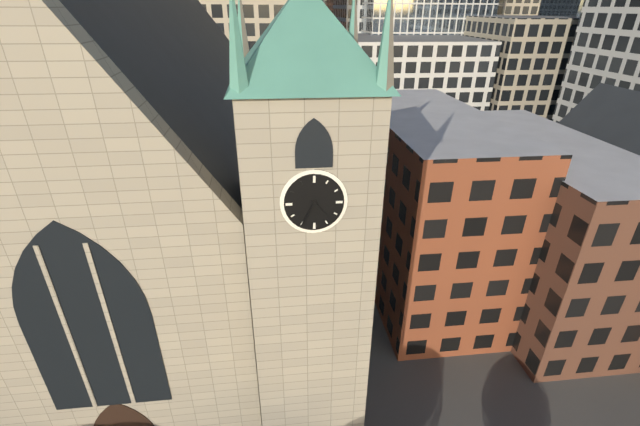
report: 4,35
